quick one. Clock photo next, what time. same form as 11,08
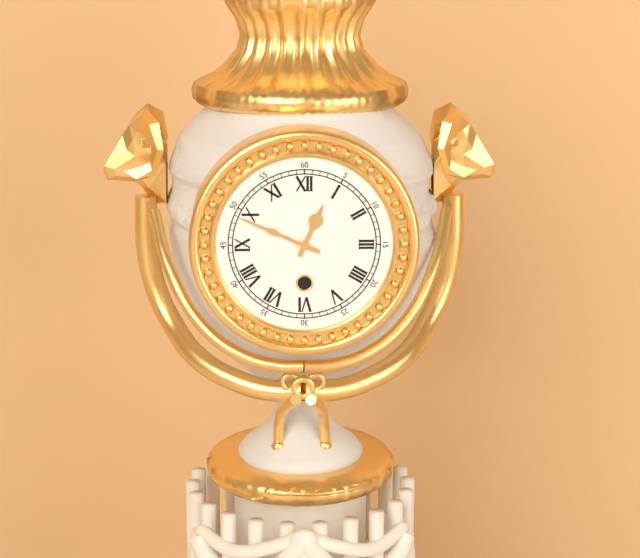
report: 12,49
